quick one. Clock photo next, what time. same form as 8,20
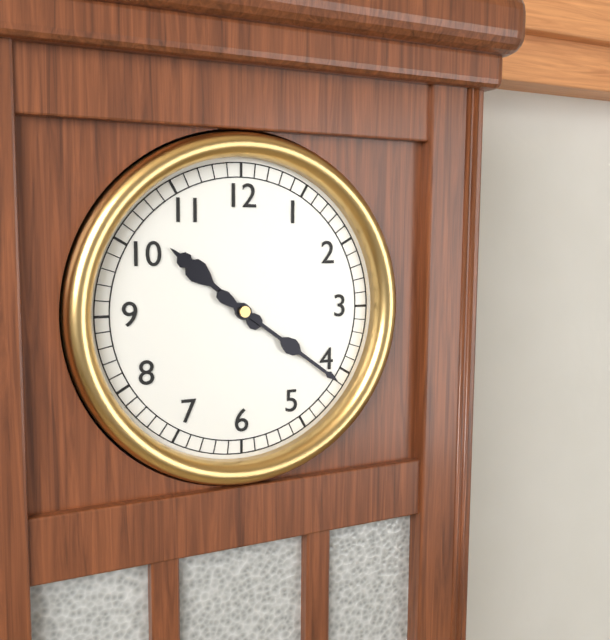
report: 10,21
